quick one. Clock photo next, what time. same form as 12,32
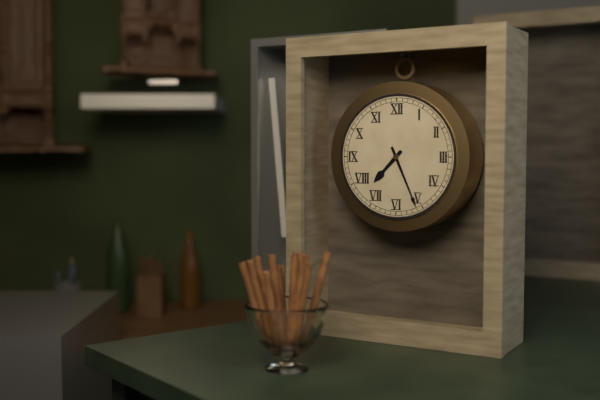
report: 7,26
